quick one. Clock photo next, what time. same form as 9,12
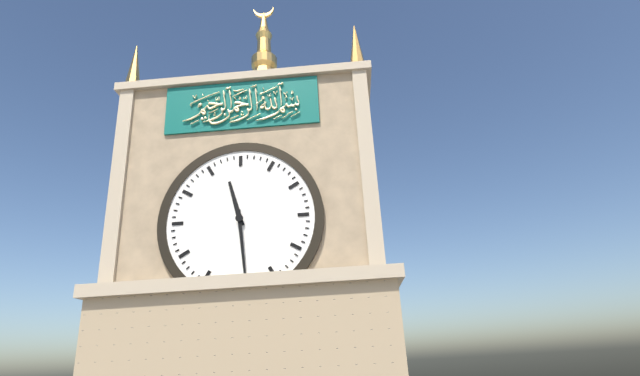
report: 11,29
